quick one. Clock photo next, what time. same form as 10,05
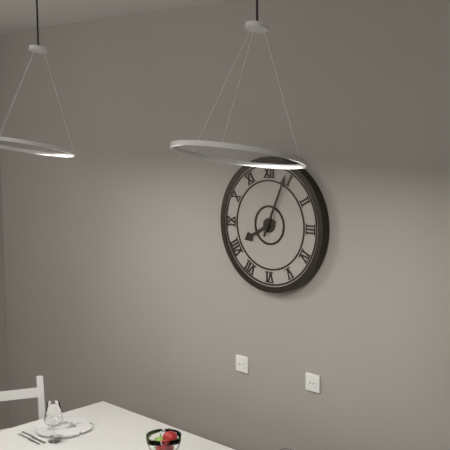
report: 8,04
